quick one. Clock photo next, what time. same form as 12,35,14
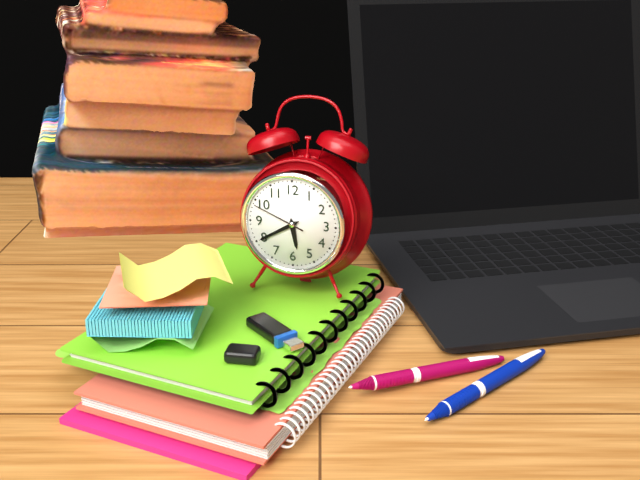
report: 5,40,49
